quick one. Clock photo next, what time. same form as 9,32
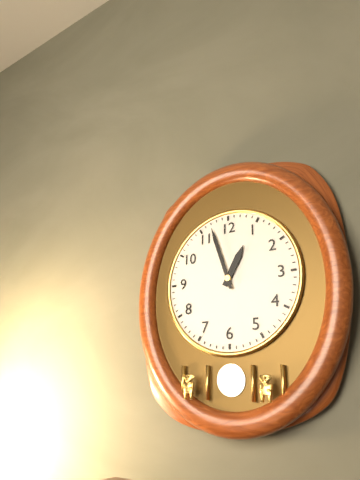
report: 12,57
